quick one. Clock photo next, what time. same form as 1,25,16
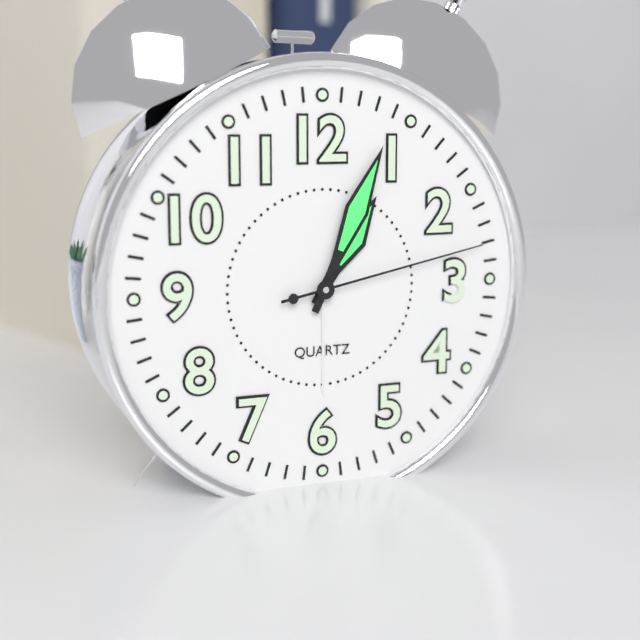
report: 1,04,13
